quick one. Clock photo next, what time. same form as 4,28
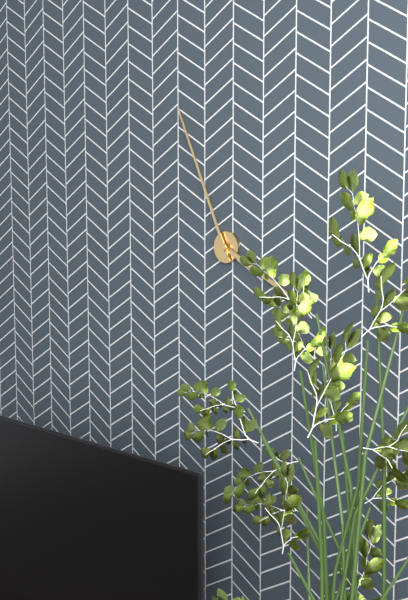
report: 3,56
